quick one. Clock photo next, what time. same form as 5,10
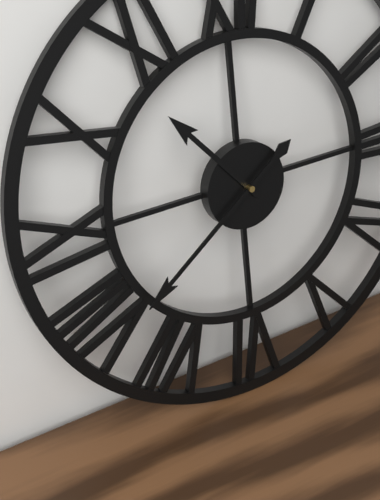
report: 10,39
